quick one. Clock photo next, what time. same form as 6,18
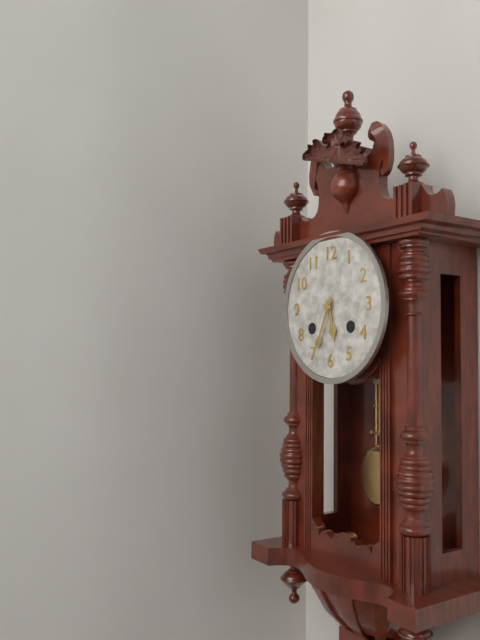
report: 5,34
